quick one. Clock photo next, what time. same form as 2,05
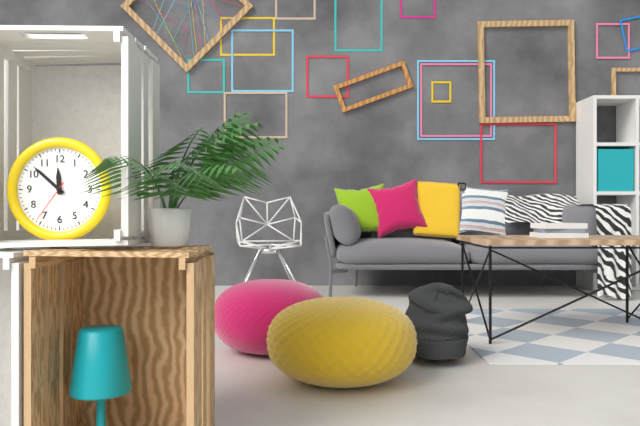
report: 11,52
